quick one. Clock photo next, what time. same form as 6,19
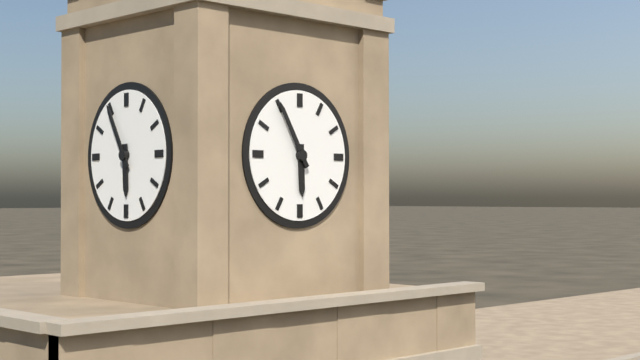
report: 5,55
